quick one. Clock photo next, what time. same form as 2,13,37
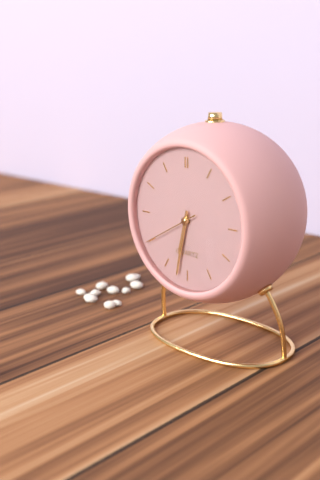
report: 6,32,40
